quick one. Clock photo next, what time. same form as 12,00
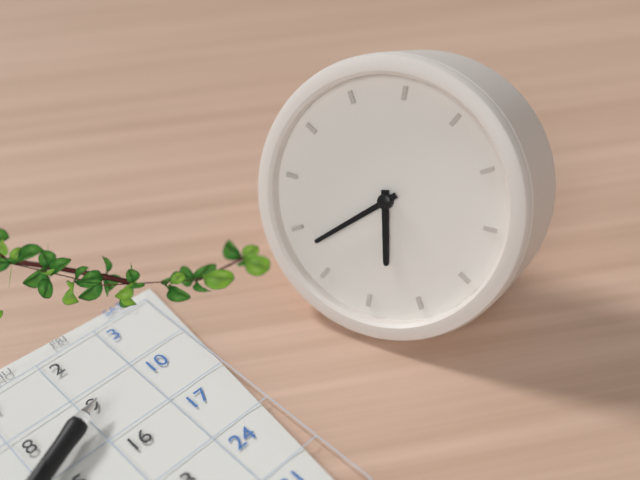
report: 5,38
